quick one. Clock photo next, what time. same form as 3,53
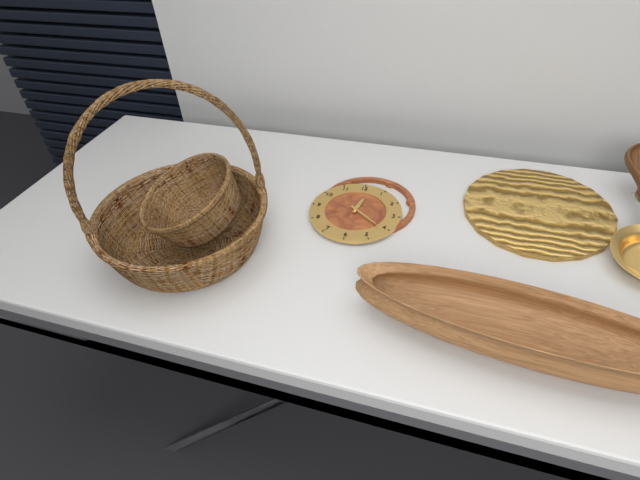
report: 12,21
